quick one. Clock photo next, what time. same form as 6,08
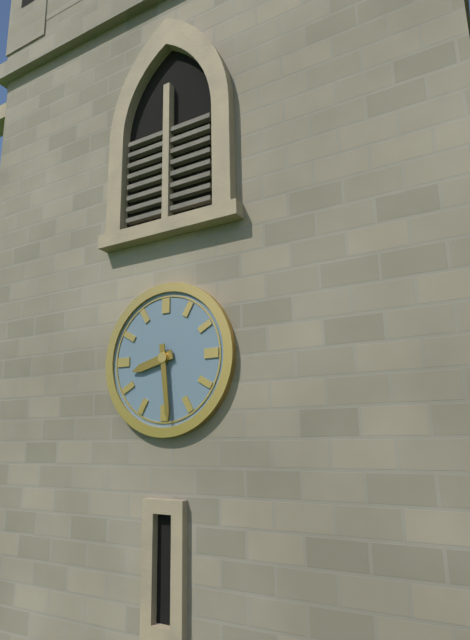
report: 8,29
